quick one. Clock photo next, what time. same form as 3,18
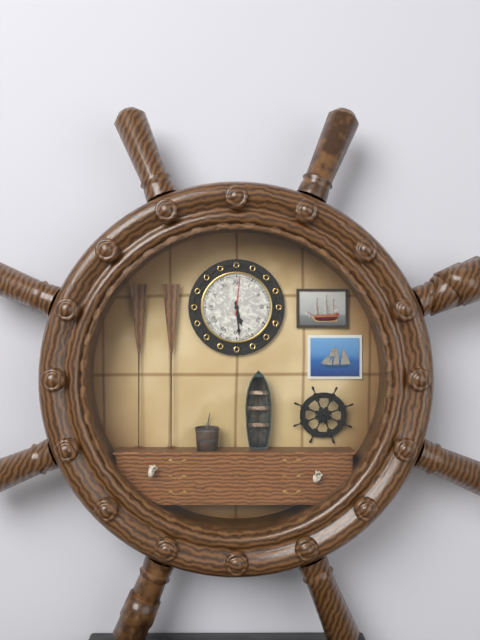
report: 5,29
